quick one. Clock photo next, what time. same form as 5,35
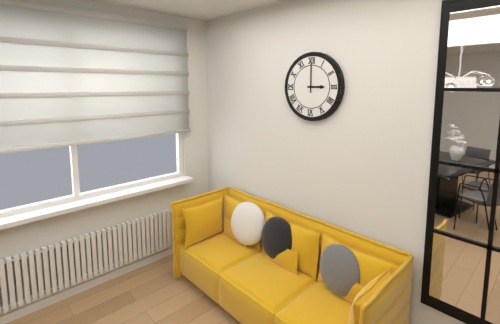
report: 3,00
